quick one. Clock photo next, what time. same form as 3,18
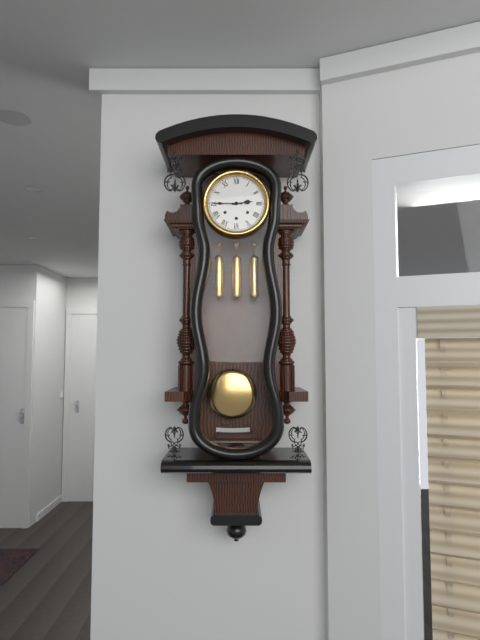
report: 2,45
